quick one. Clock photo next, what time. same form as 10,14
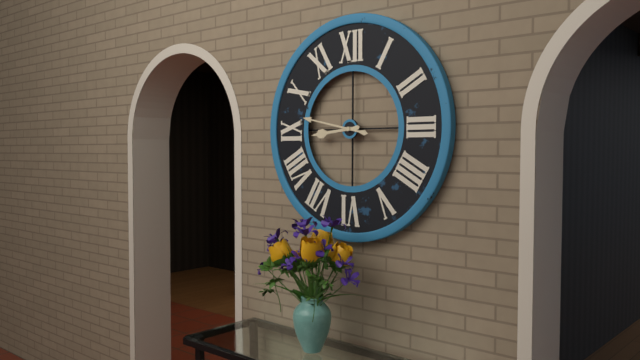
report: 8,47
